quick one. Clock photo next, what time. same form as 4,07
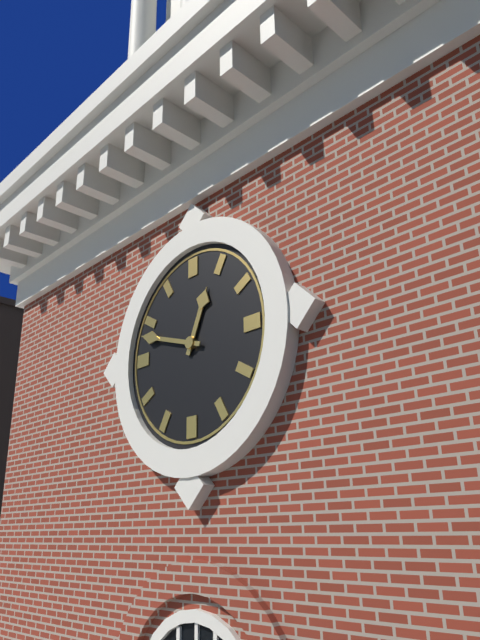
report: 12,48
